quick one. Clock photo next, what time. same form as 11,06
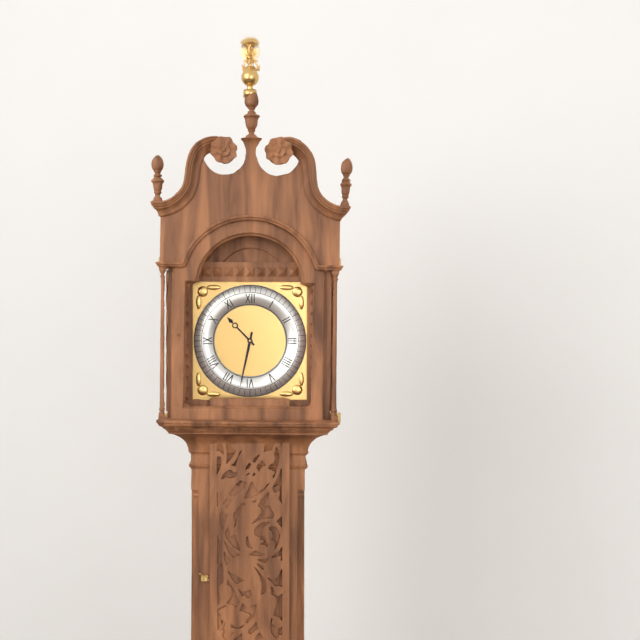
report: 10,32
